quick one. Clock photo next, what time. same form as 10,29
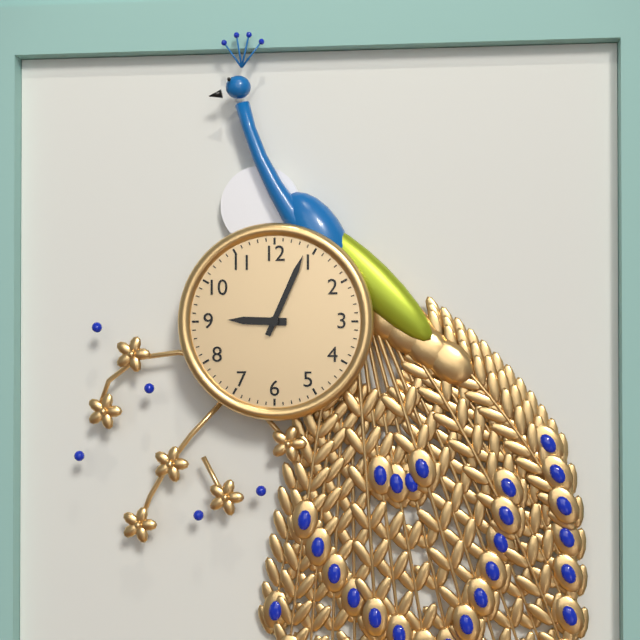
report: 9,04
